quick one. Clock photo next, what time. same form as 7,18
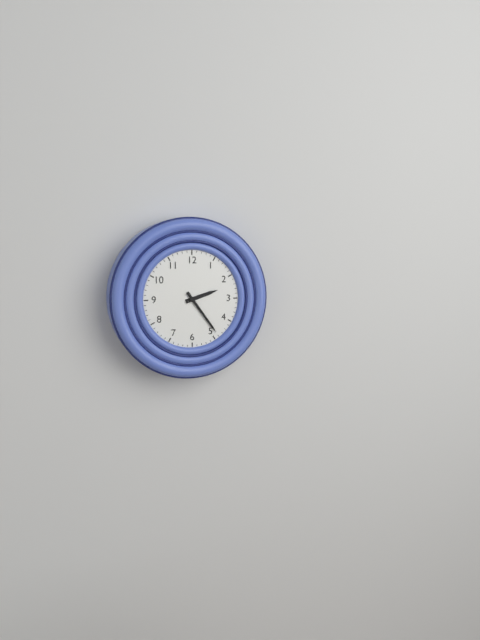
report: 2,24
